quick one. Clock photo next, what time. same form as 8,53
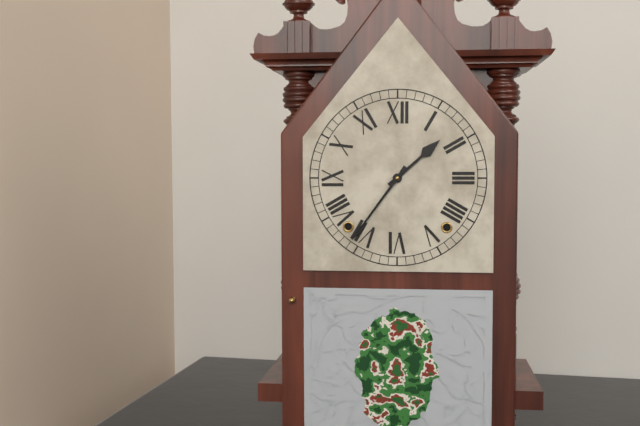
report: 1,36
